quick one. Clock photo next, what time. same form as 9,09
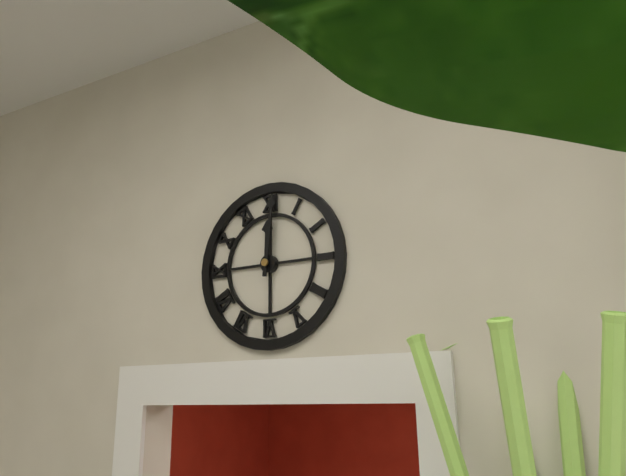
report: 12,01
